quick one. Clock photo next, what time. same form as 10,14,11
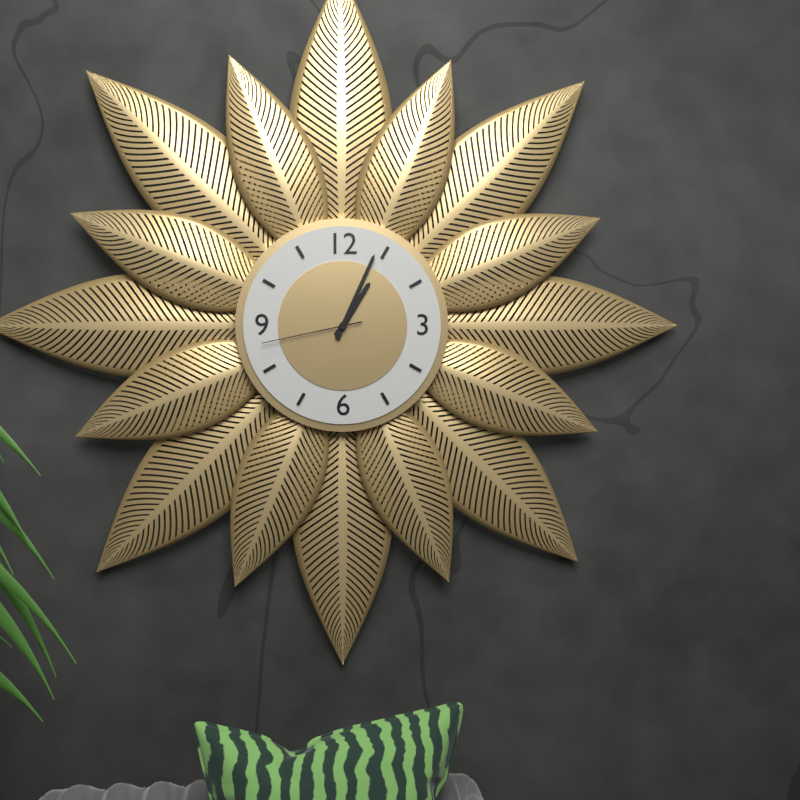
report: 1,04,43
